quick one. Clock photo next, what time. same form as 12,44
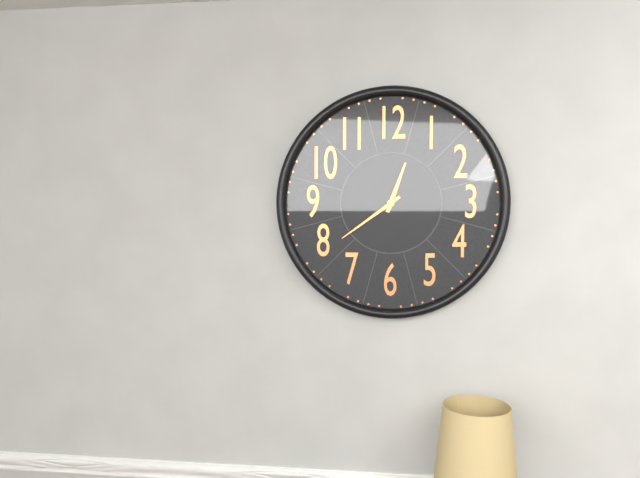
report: 12,39
